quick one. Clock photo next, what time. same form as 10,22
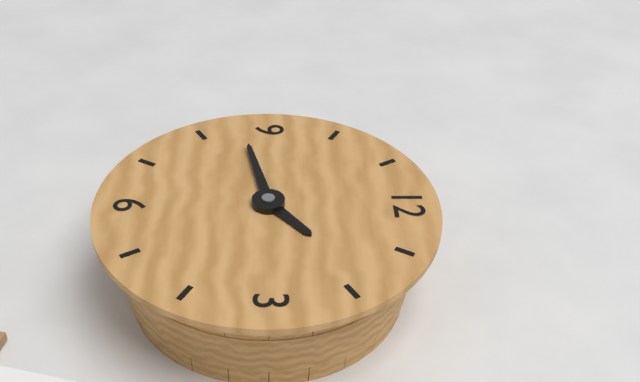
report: 1,43
